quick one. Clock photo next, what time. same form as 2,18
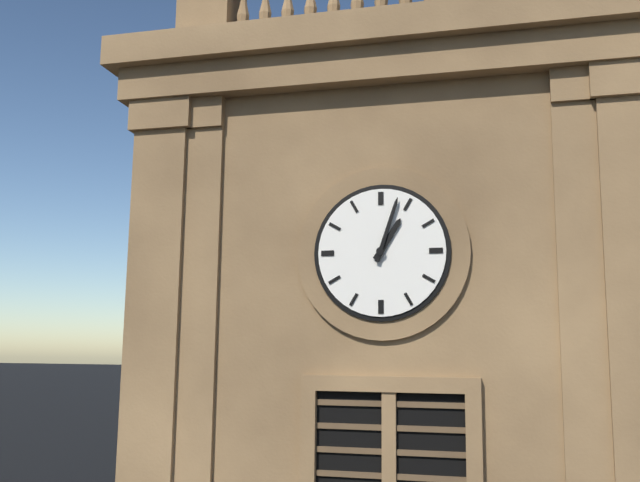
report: 1,03
